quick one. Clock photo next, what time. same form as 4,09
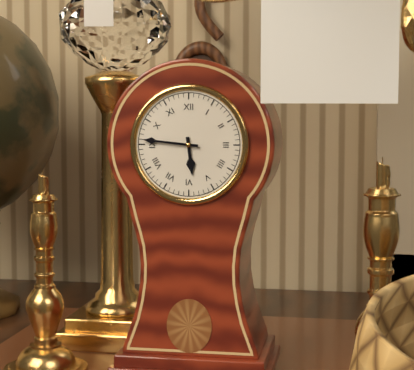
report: 5,46
